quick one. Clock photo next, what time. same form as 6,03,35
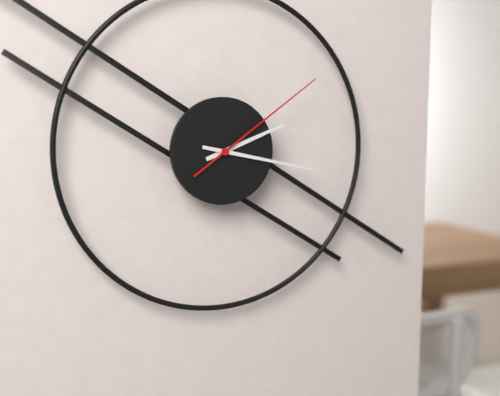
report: 2,17,09
